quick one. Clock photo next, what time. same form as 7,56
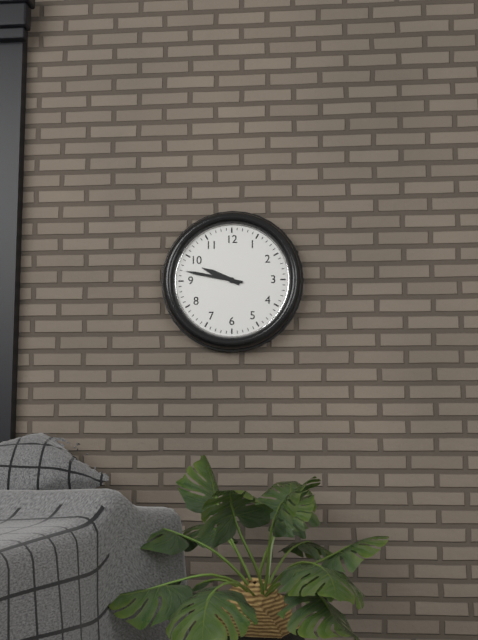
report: 9,47
